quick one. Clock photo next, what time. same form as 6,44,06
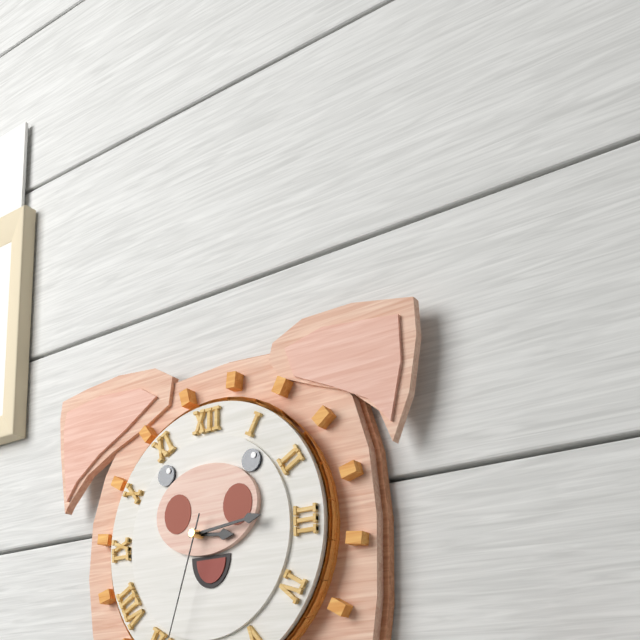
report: 3,14,33
